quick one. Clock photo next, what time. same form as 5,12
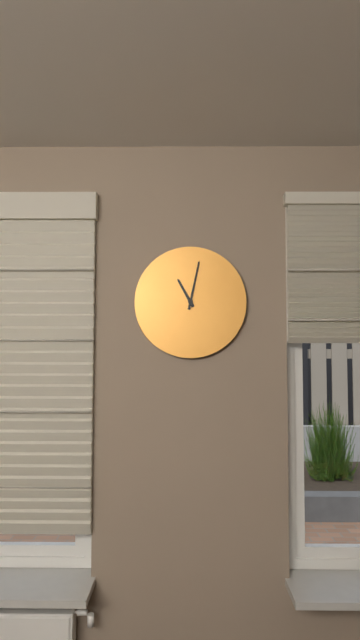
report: 11,02
